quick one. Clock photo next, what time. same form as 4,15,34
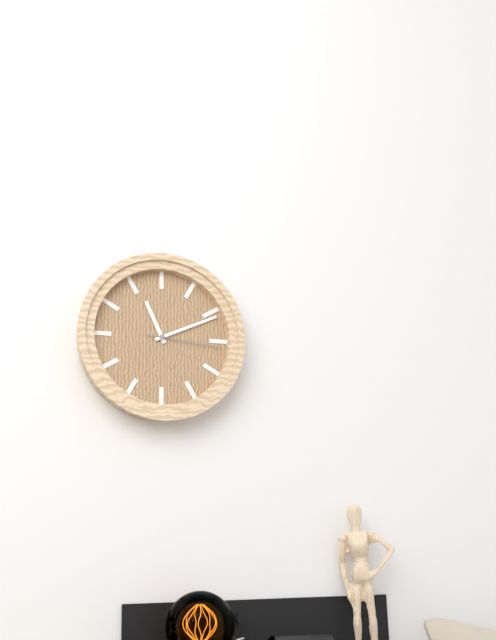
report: 11,11,16
